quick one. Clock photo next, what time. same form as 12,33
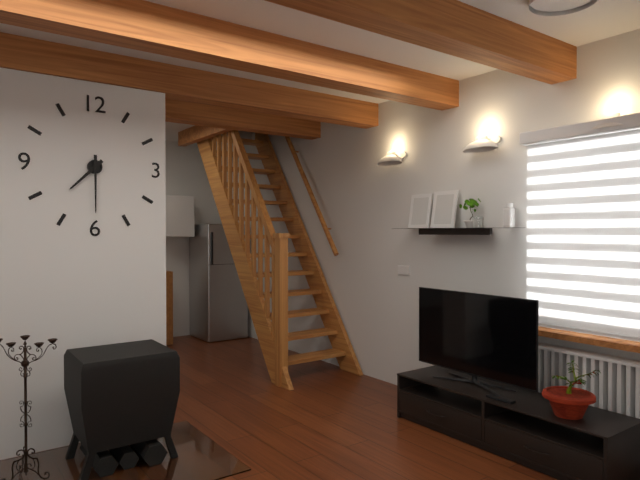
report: 7,30
